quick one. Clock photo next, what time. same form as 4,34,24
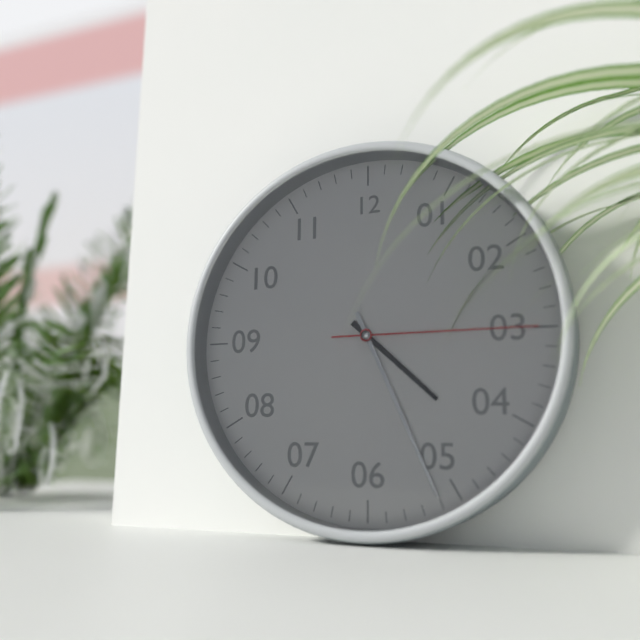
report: 4,26,15
